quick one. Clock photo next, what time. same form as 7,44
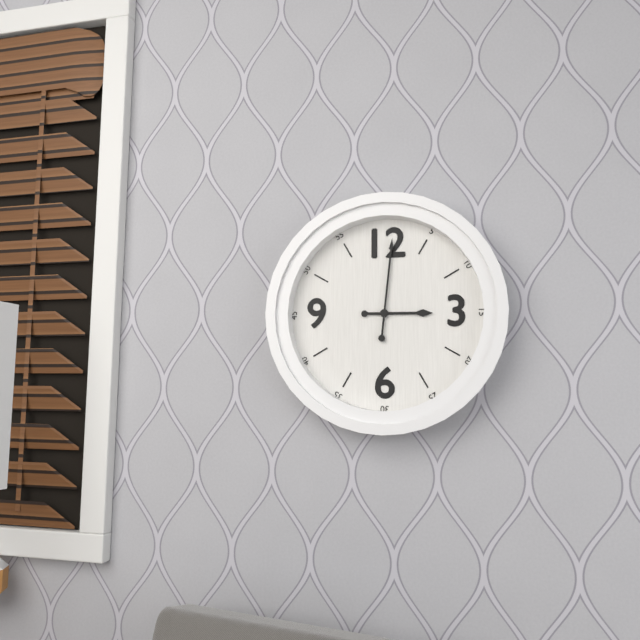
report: 3,01
